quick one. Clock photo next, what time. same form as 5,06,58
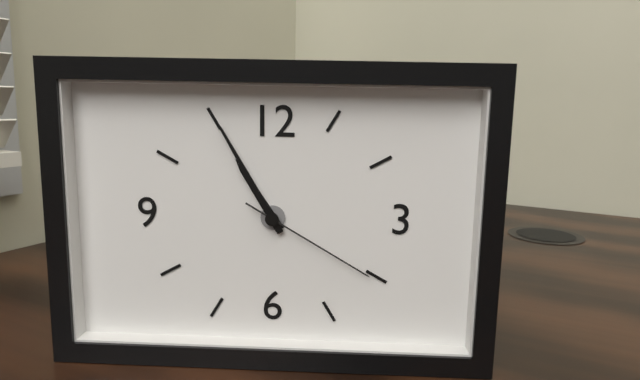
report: 10,55,20
